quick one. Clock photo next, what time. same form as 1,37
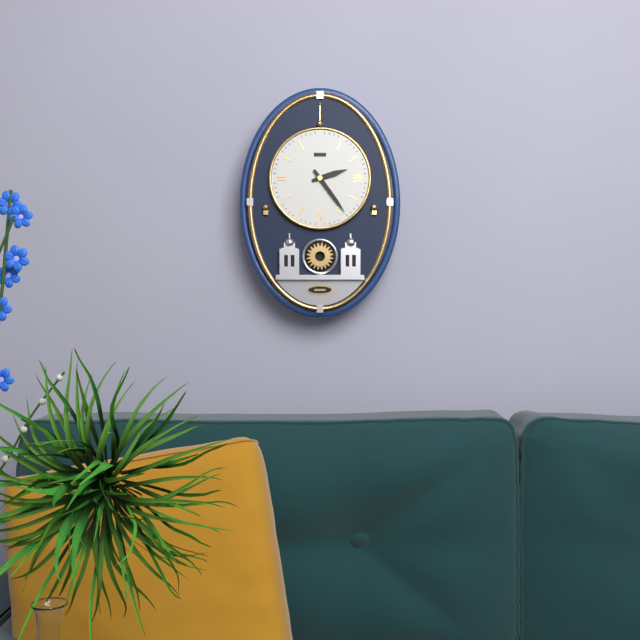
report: 2,24
